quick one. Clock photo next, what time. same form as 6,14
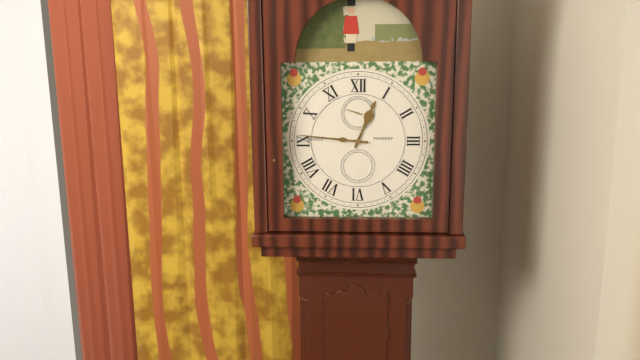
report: 12,46
